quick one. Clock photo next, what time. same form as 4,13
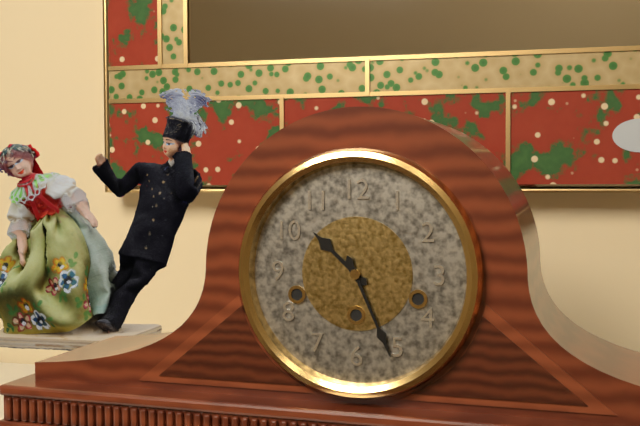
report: 10,26
